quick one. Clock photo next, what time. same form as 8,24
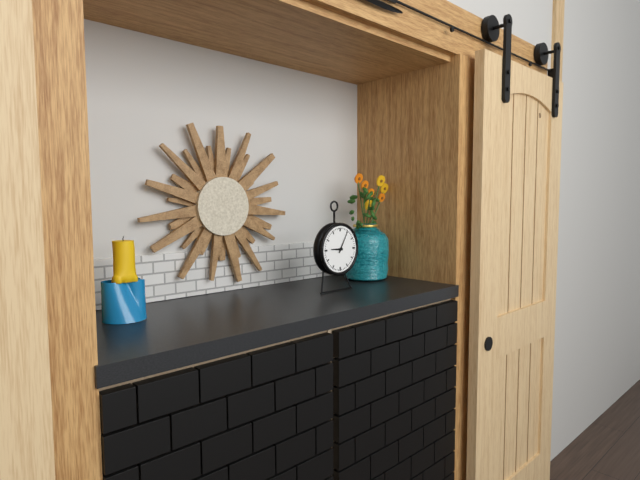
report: 9,05
